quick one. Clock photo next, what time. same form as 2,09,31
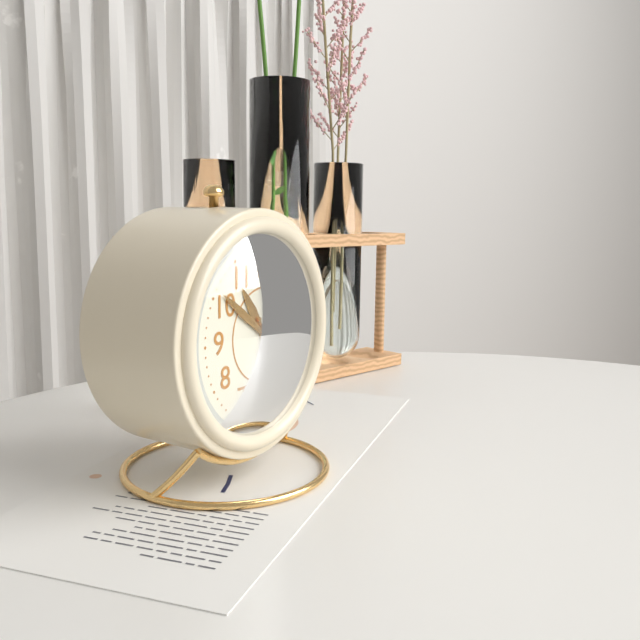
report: 10,51,25
